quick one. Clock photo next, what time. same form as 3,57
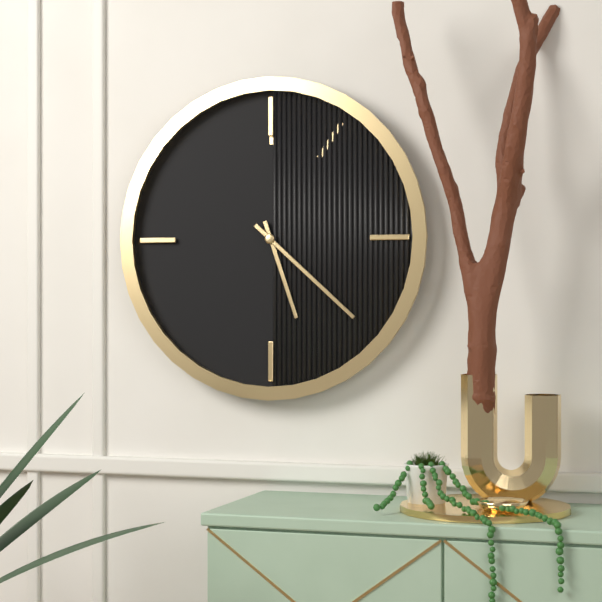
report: 5,22
